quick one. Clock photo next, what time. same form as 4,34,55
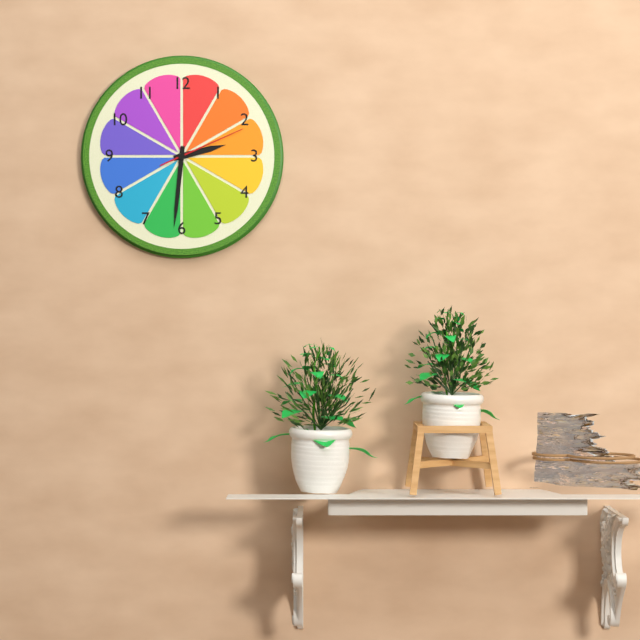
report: 2,31,11
